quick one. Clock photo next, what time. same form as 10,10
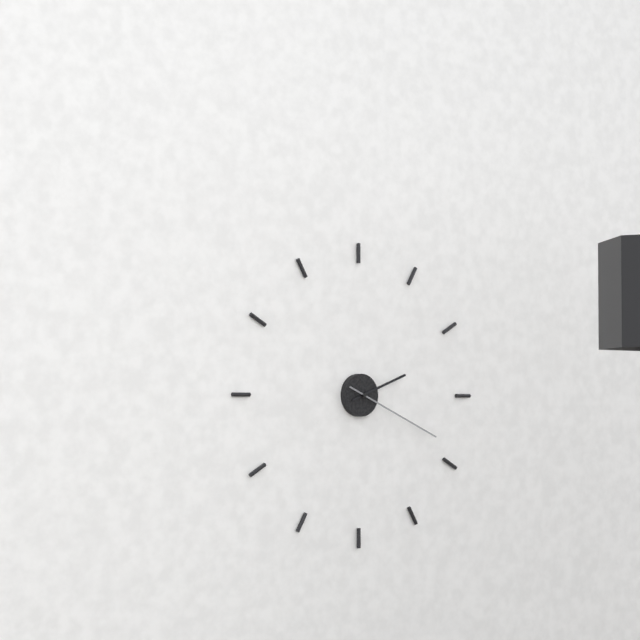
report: 2,19
